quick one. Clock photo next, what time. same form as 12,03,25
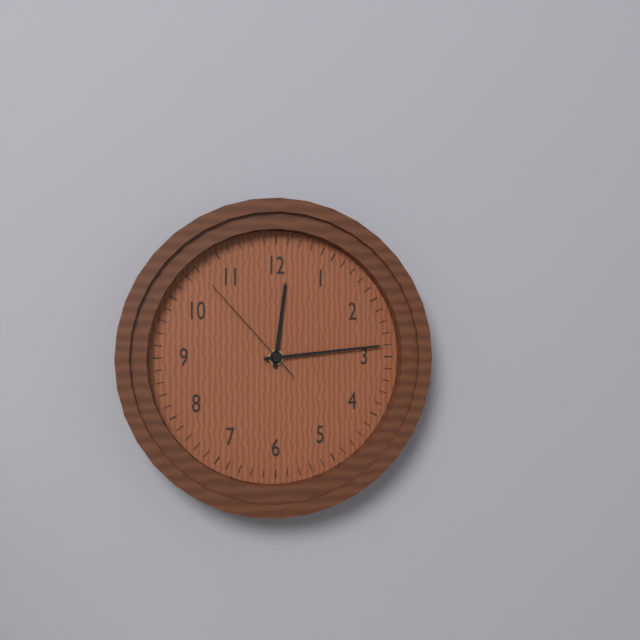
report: 12,14,53
